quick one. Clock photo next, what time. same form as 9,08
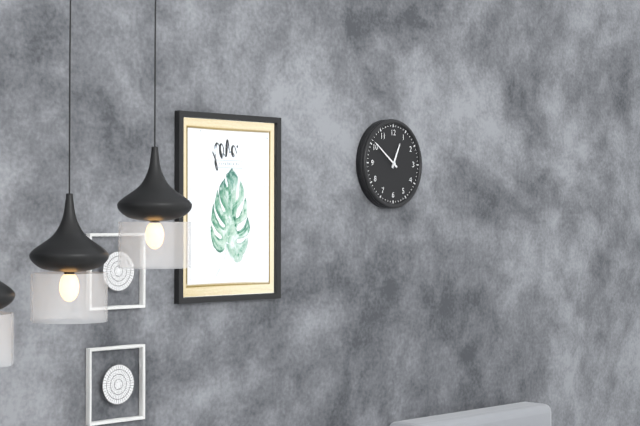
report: 12,51
